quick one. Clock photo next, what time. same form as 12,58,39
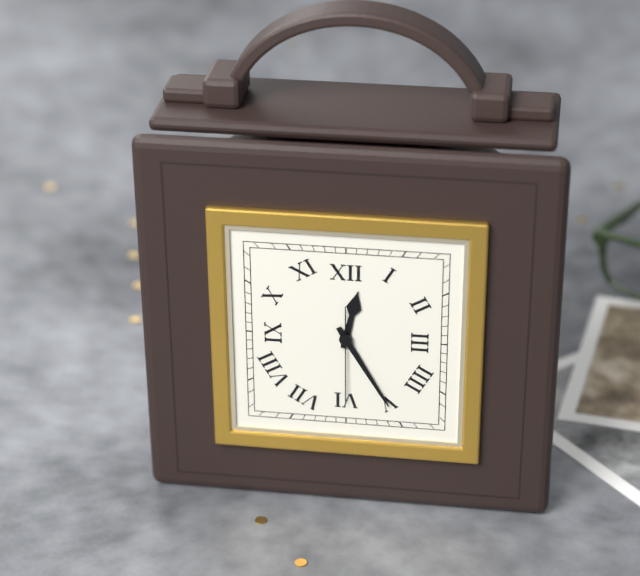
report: 12,25,30
